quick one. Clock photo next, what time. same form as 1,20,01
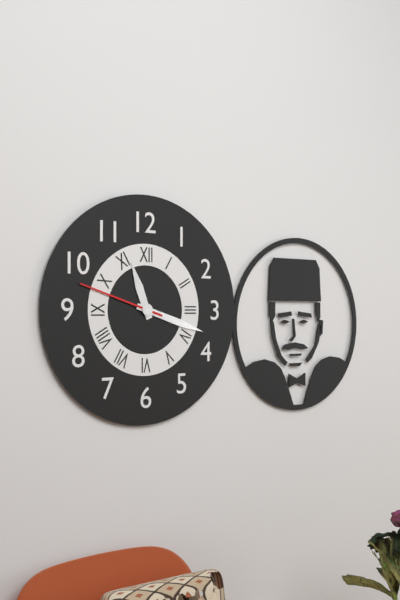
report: 11,18,48
